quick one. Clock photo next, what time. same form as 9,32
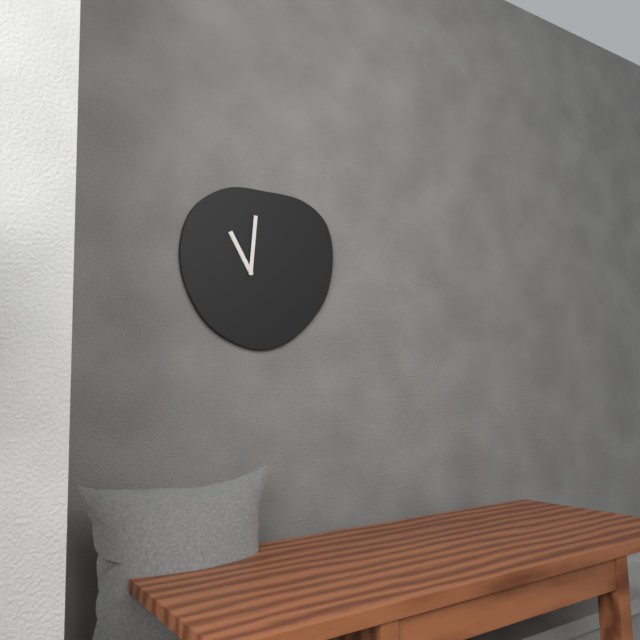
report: 11,01
